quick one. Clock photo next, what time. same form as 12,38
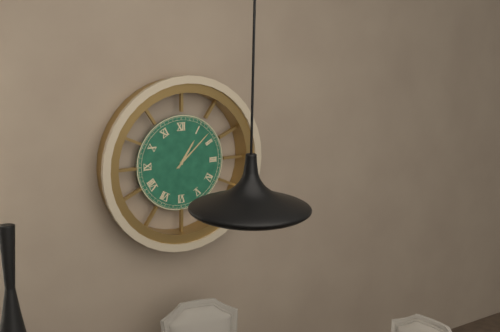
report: 1,08
